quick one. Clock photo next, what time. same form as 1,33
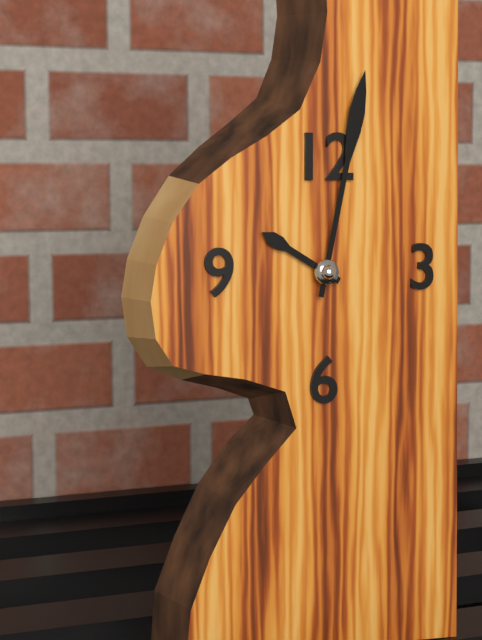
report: 10,02
